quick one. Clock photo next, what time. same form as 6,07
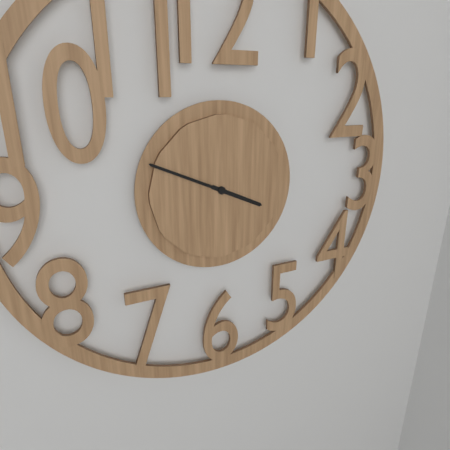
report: 3,49
